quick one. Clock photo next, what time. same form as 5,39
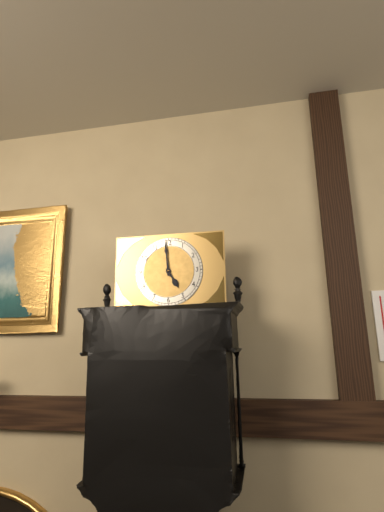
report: 4,59
